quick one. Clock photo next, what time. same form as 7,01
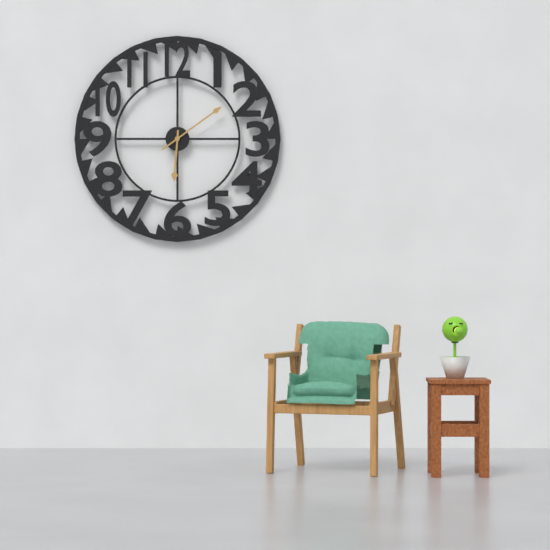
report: 6,09
